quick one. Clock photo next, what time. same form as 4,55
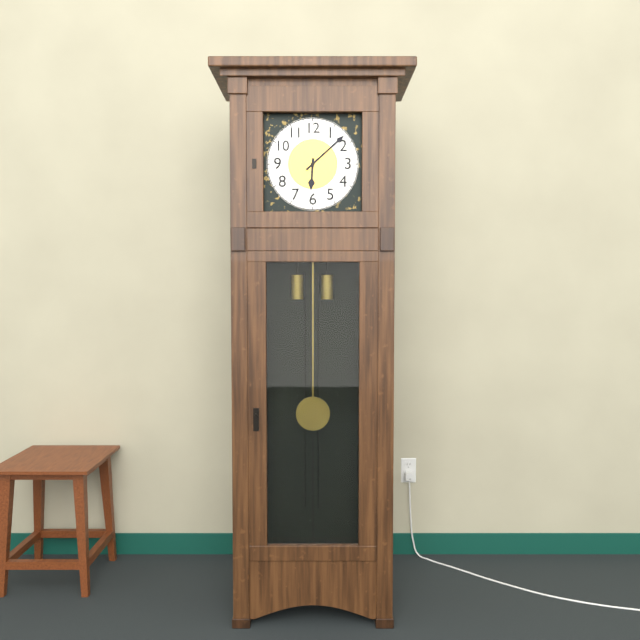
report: 6,08
